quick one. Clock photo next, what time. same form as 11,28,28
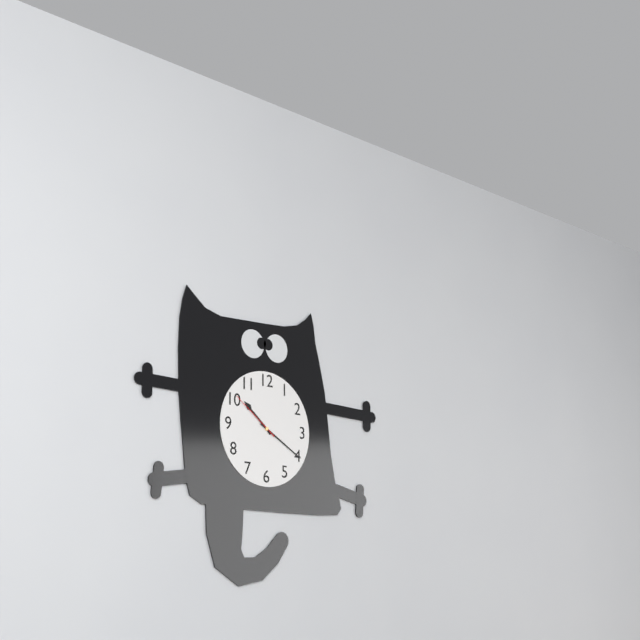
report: 10,20,51
